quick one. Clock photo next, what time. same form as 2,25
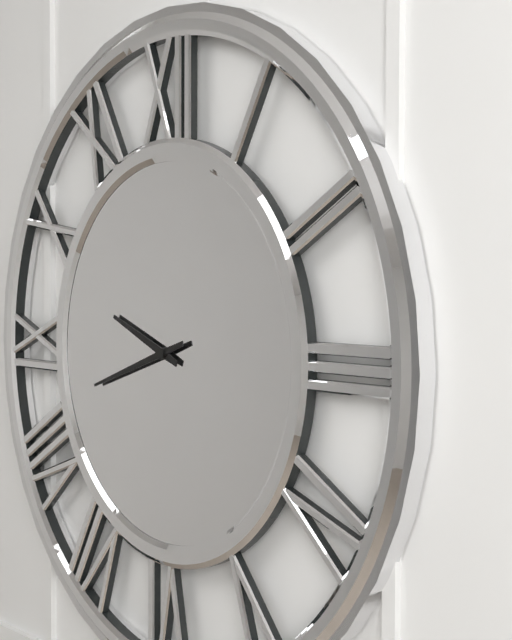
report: 9,42
